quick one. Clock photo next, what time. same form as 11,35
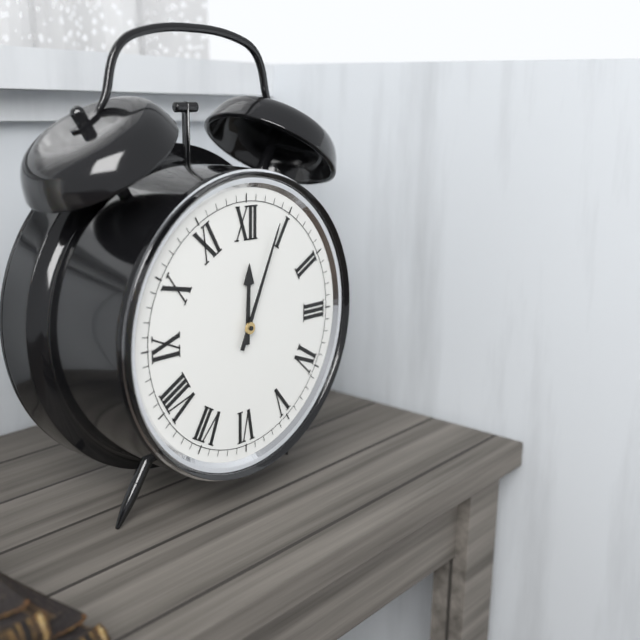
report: 12,04
